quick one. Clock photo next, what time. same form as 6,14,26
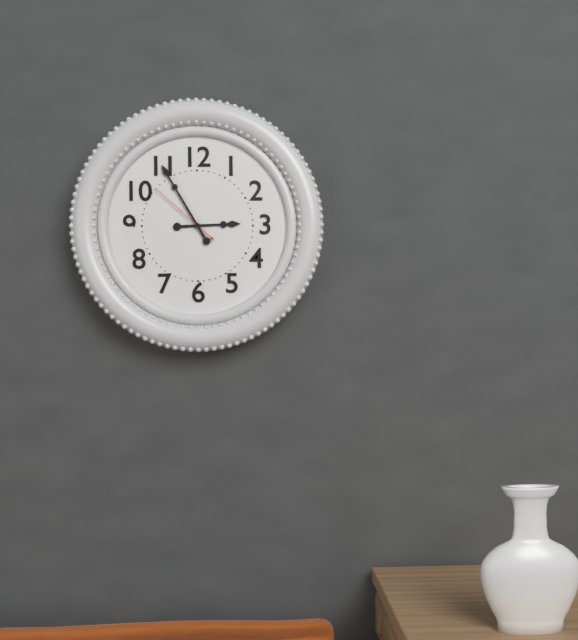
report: 2,55,52
